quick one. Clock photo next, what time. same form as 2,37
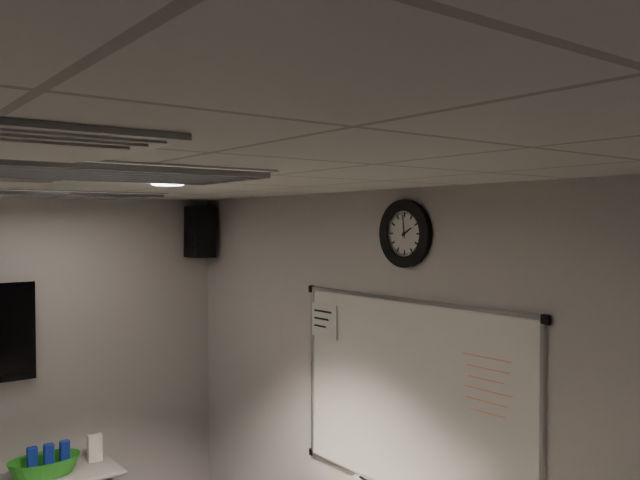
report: 1,59
